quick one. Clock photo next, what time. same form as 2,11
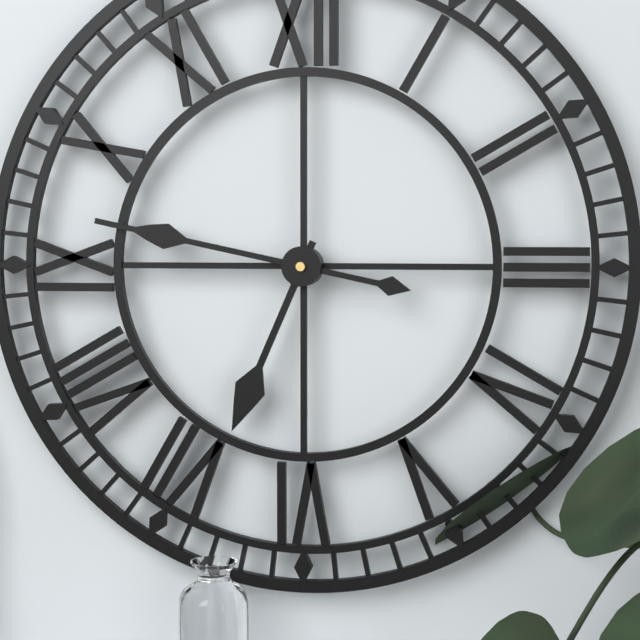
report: 6,47
